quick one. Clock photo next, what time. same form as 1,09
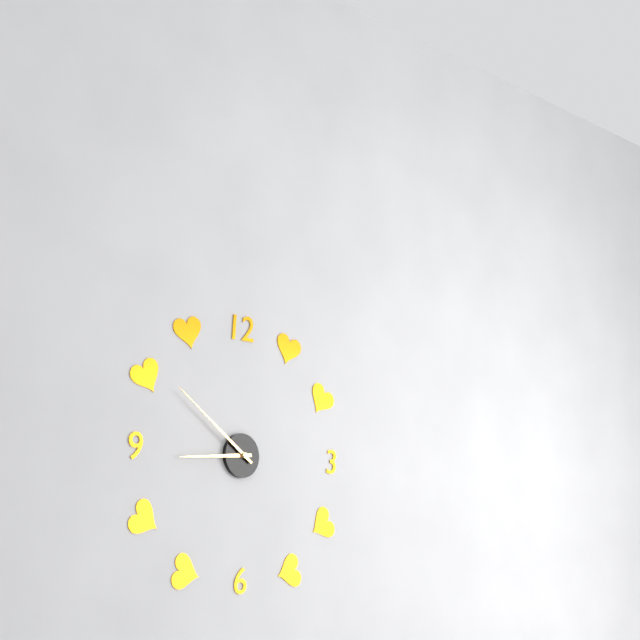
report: 8,51
